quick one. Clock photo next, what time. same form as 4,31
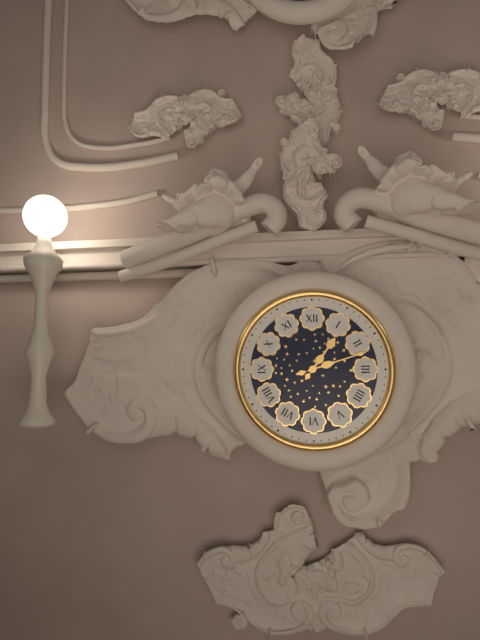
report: 1,12
